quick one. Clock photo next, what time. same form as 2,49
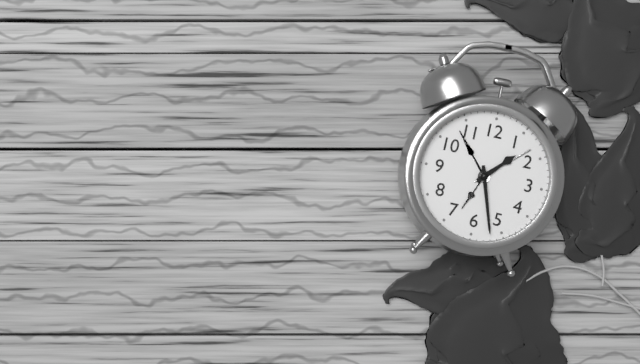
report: 1,27
